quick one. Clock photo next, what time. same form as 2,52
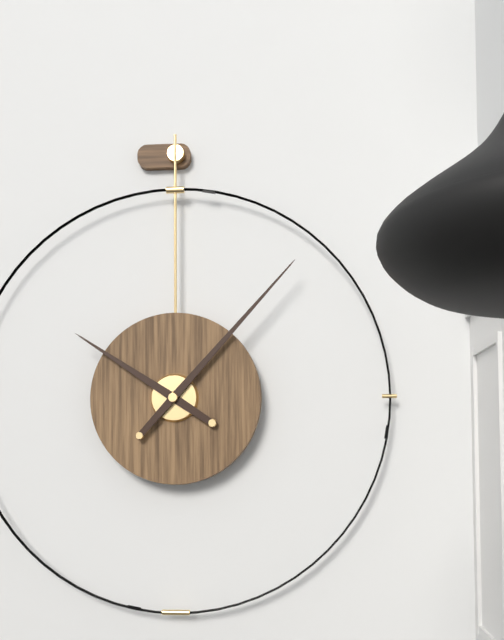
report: 10,07
